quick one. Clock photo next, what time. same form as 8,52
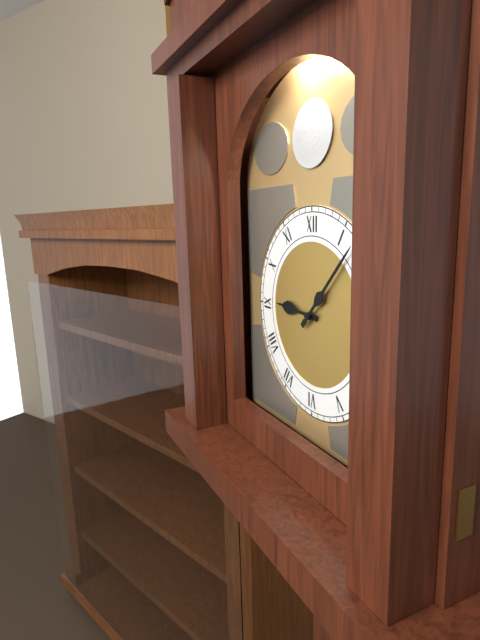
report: 9,07
